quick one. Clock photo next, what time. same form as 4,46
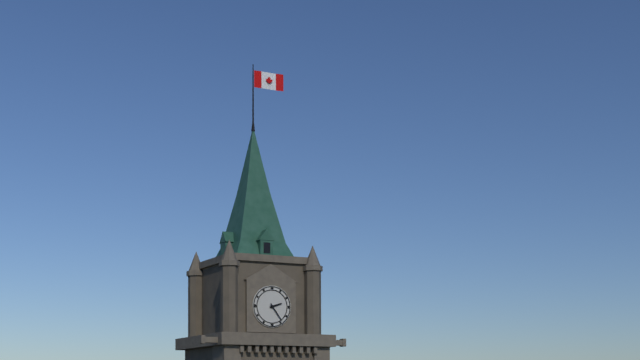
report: 2,24
